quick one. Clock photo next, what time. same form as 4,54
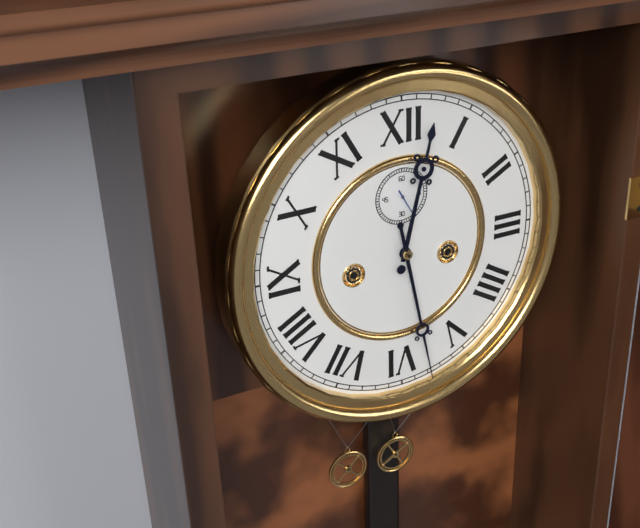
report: 12,28
